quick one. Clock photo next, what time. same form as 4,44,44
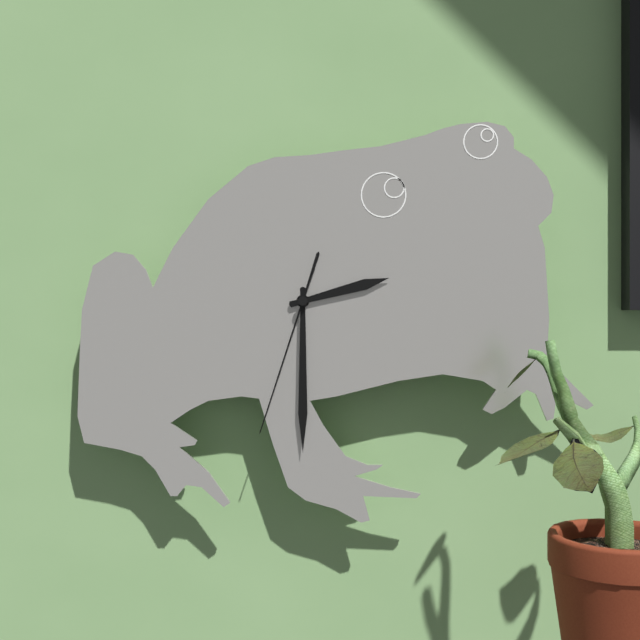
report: 2,30,33
